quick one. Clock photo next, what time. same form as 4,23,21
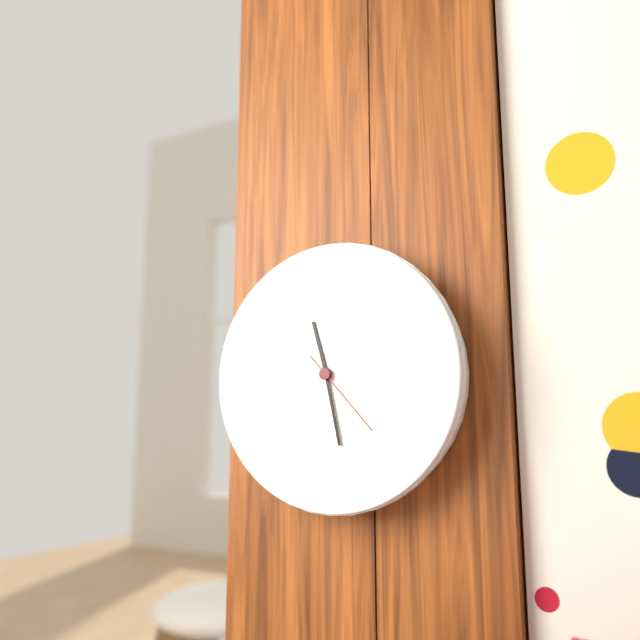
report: 11,28,23
